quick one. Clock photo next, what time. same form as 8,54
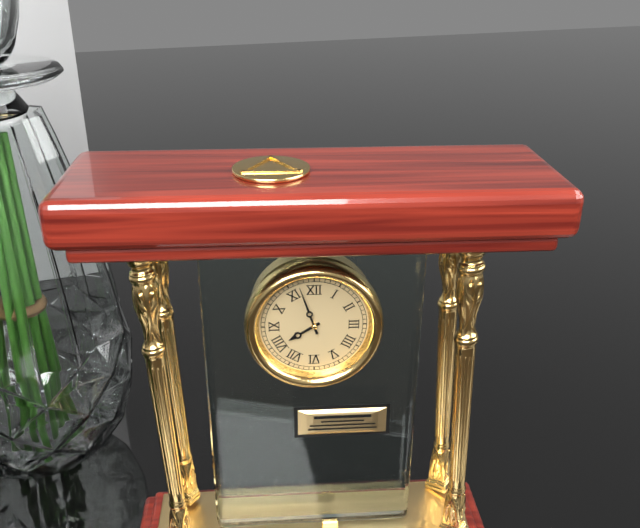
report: 7,57
